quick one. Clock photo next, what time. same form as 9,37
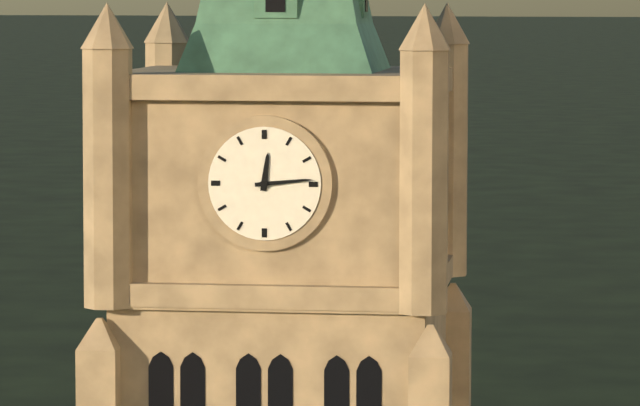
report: 12,14
